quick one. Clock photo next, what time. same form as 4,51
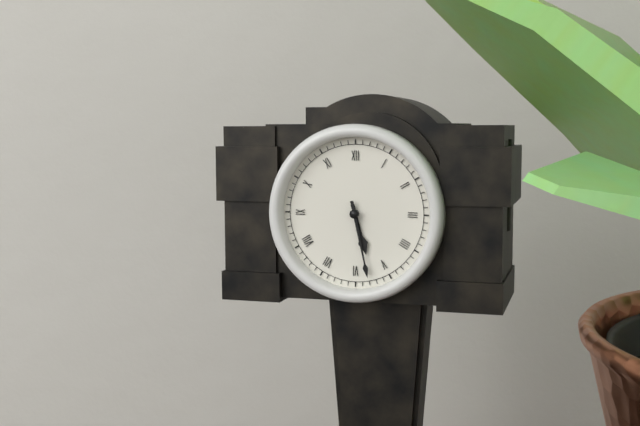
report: 5,28
